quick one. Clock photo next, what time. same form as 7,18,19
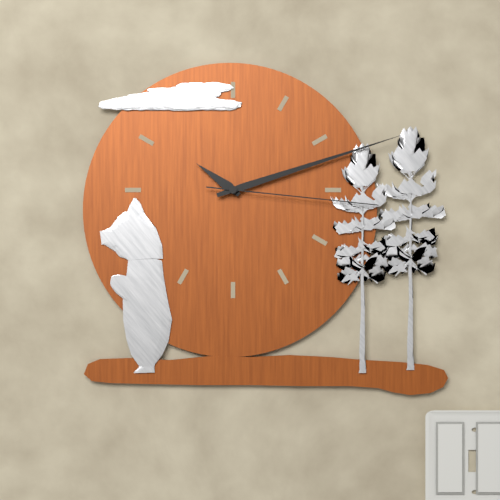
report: 10,12,16
